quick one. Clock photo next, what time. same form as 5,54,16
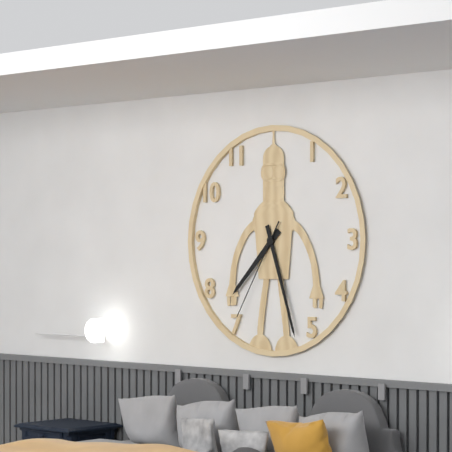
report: 7,27,35
